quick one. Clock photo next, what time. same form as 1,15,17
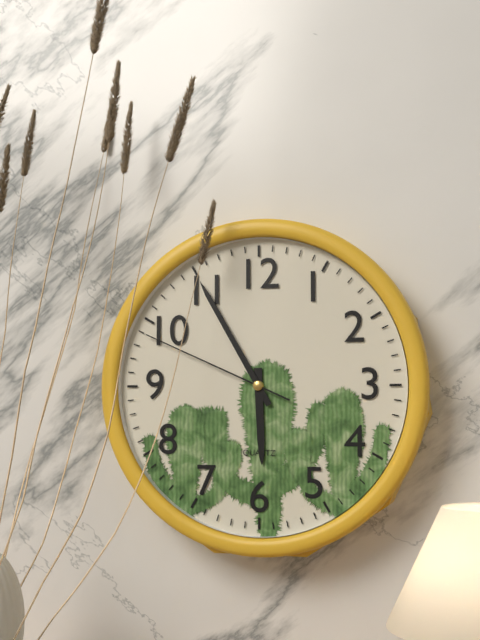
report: 5,55,49
